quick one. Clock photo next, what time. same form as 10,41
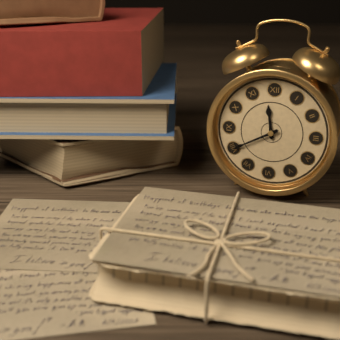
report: 11,40
